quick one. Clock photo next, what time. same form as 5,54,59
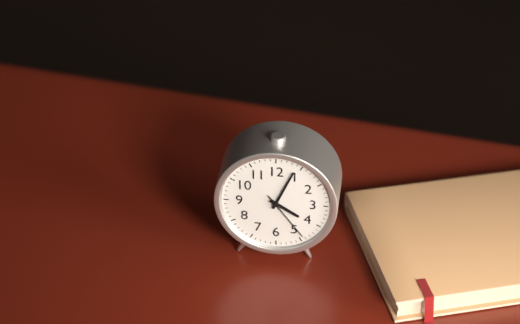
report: 4,04,24
